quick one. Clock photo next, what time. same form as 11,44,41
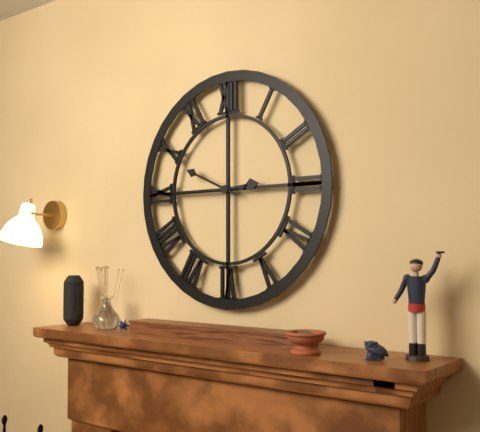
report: 2,49,45
